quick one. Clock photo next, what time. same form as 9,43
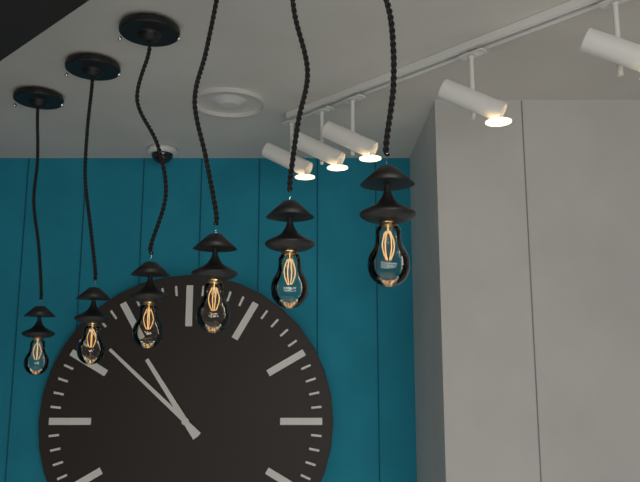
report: 10,52
